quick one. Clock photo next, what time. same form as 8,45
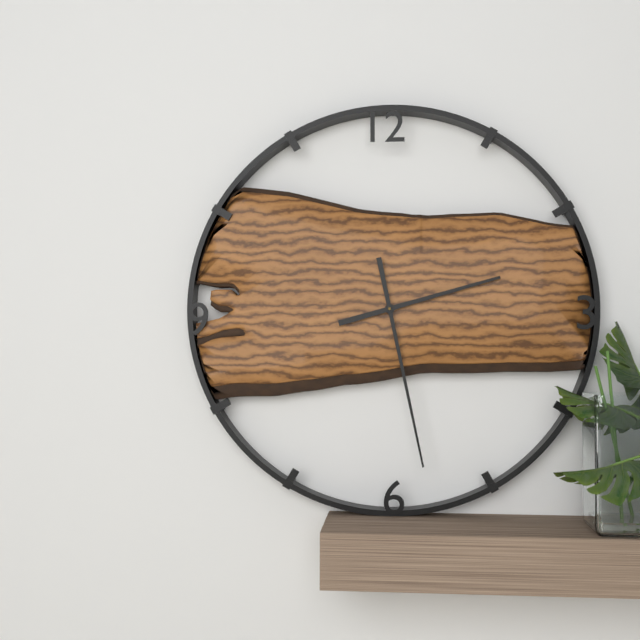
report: 2,28
